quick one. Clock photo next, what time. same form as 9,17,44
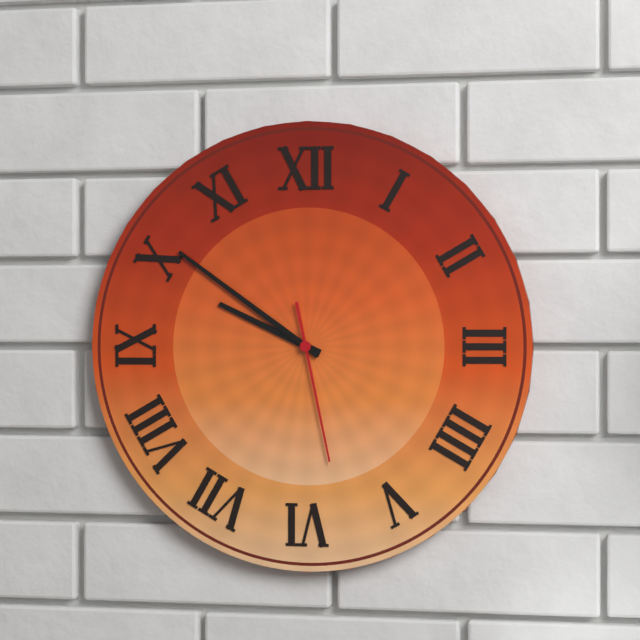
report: 9,51,28
